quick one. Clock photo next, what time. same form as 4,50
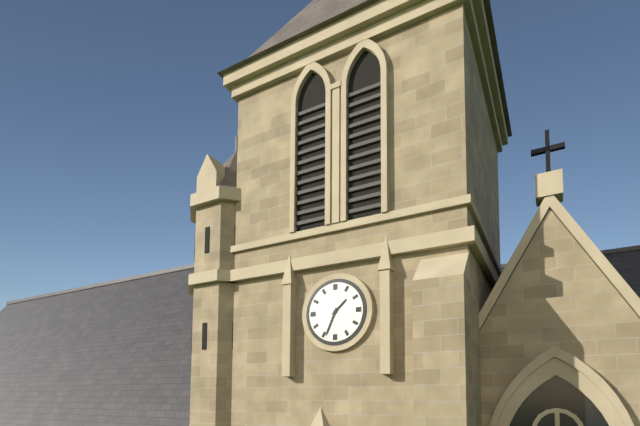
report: 1,34
